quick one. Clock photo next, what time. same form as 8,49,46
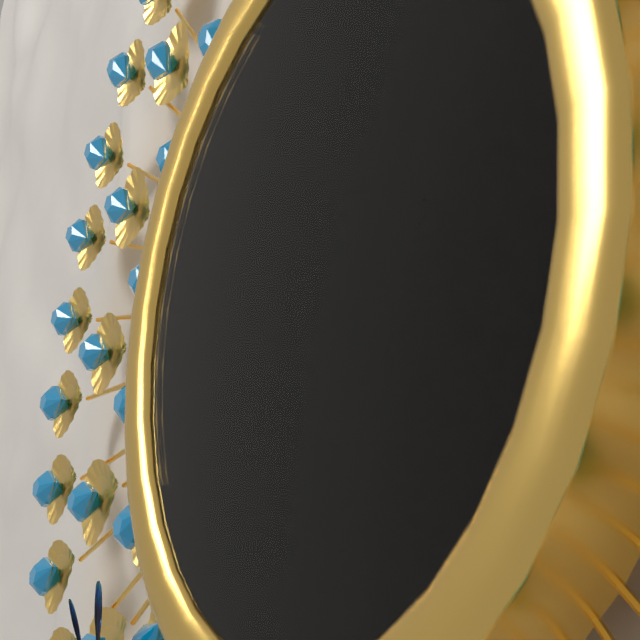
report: 1,46,42
